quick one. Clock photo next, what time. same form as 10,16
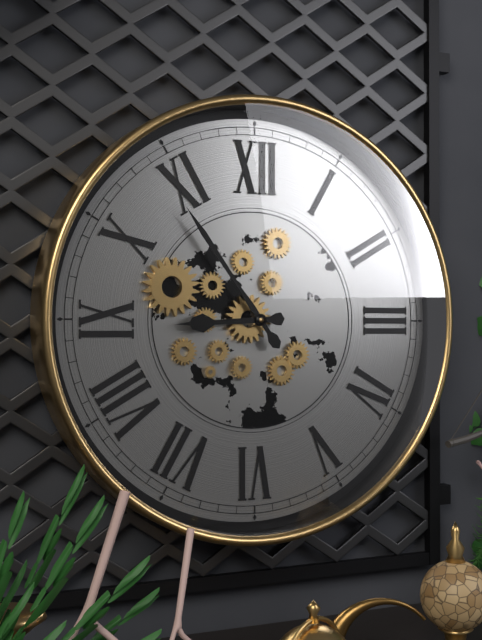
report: 8,54
